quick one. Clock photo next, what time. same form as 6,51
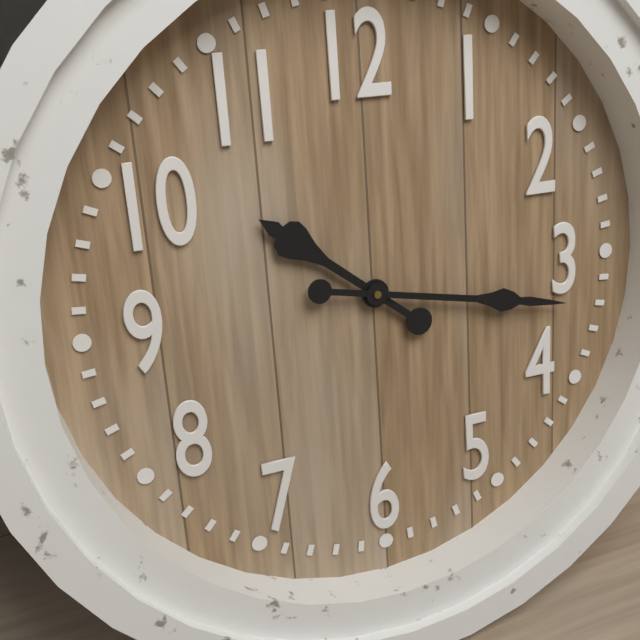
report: 10,17
